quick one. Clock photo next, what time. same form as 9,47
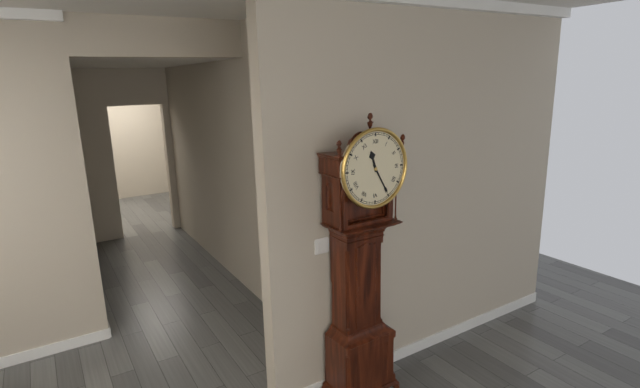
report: 11,25
